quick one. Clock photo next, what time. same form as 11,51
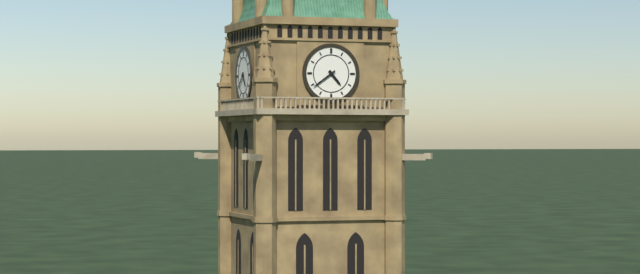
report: 4,39
